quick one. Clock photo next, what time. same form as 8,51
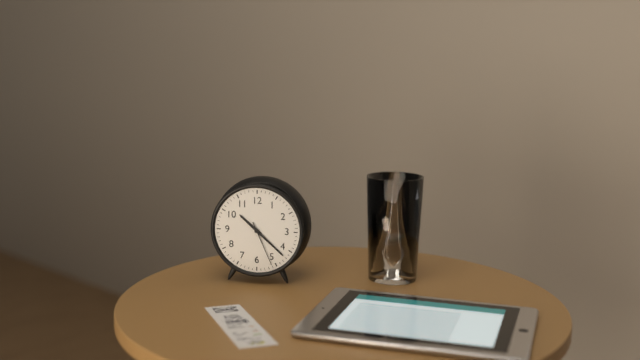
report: 10,22
